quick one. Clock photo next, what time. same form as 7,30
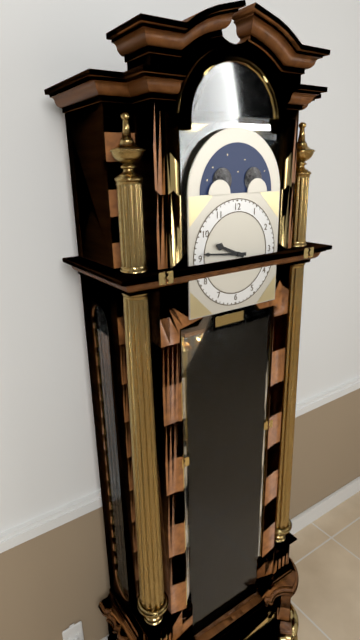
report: 9,46
